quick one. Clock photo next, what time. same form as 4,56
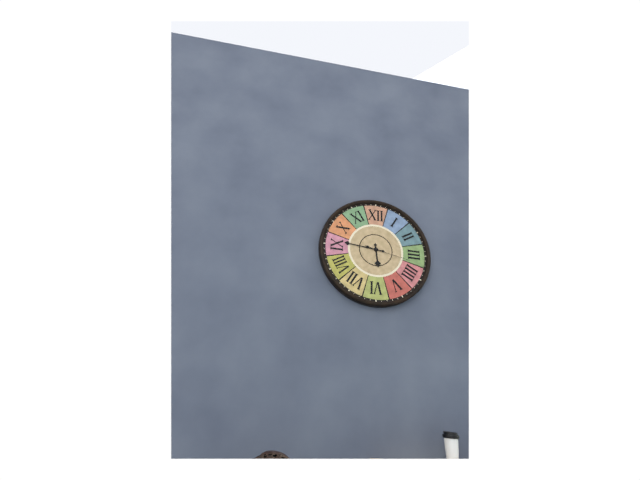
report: 5,46
